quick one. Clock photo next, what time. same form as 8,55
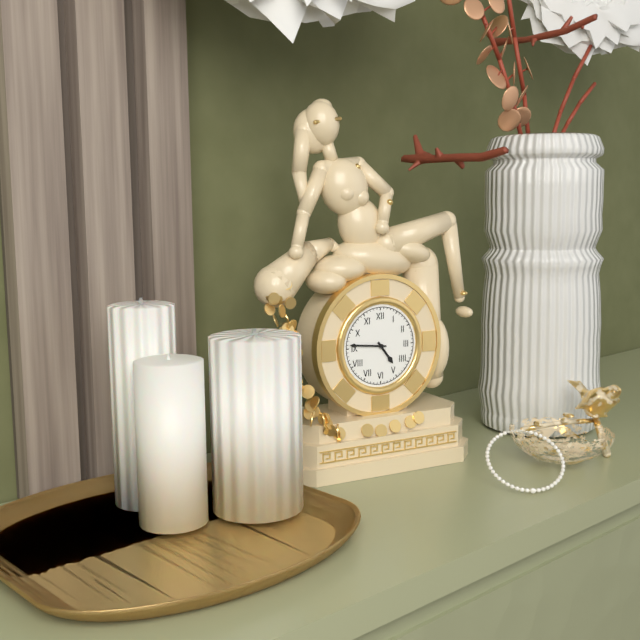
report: 4,46
